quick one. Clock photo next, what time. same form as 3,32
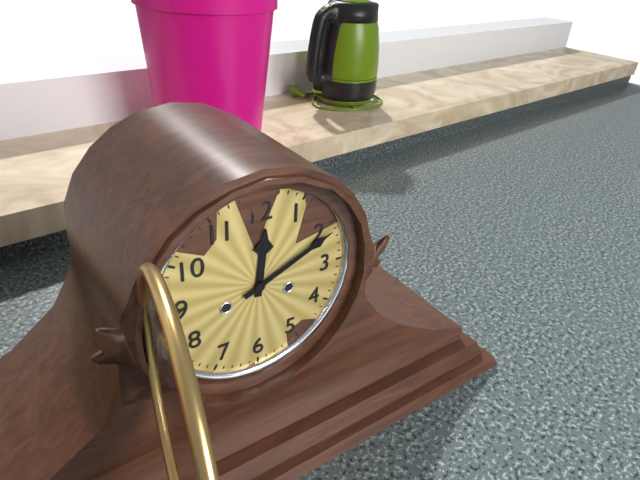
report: 12,11
